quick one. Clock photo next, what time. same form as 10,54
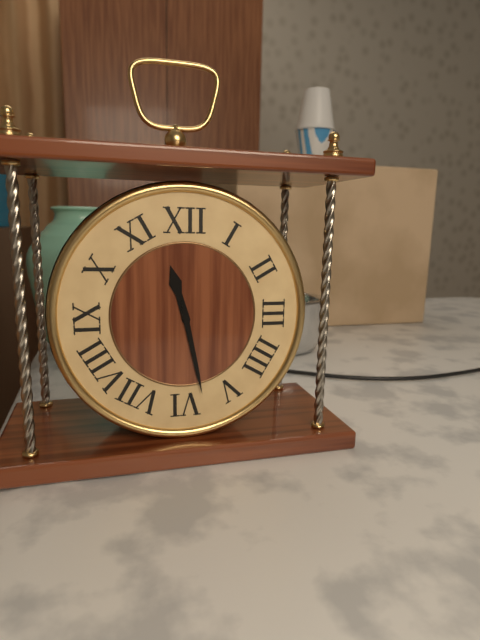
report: 11,28
